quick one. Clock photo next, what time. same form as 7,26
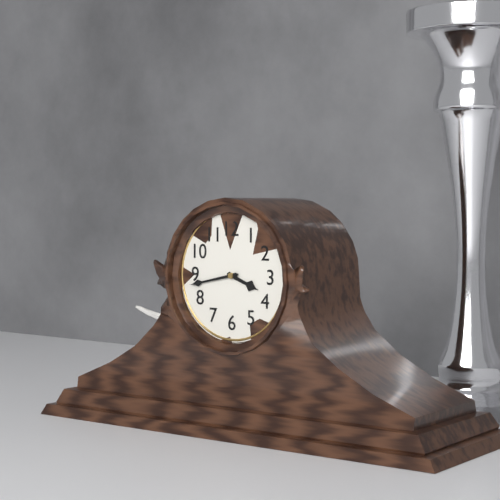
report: 3,43
